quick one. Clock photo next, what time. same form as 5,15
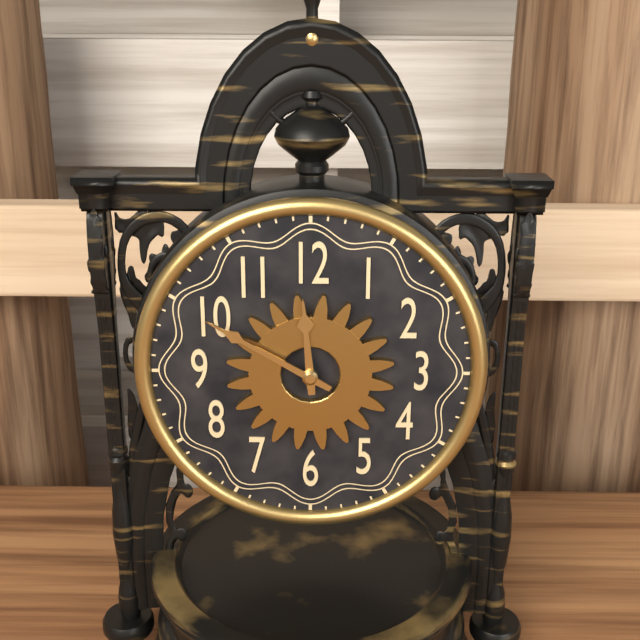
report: 11,50
